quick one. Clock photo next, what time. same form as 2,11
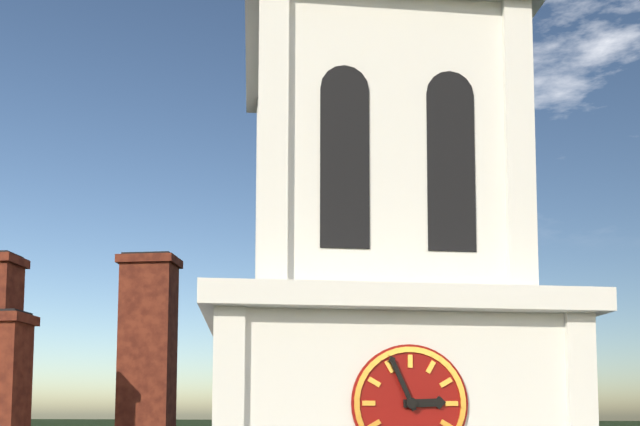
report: 2,56
